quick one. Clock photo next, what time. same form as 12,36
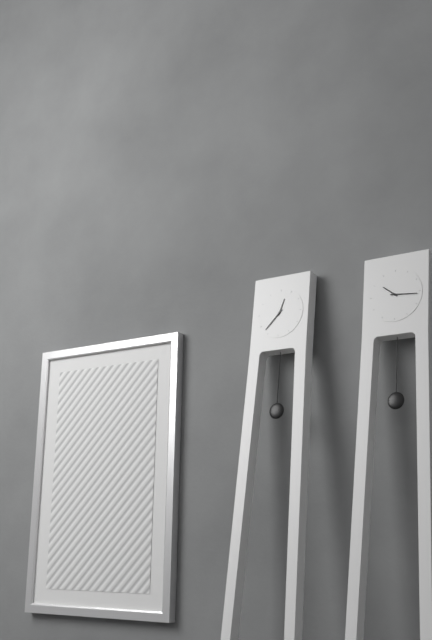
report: 12,37
